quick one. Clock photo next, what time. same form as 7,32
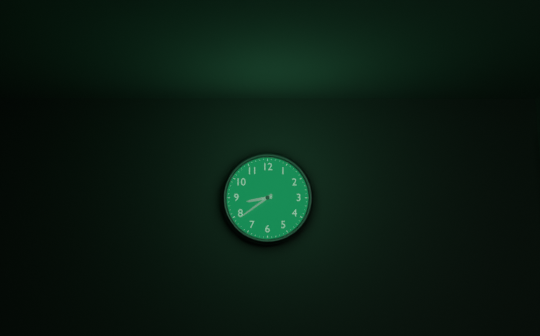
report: 8,39
